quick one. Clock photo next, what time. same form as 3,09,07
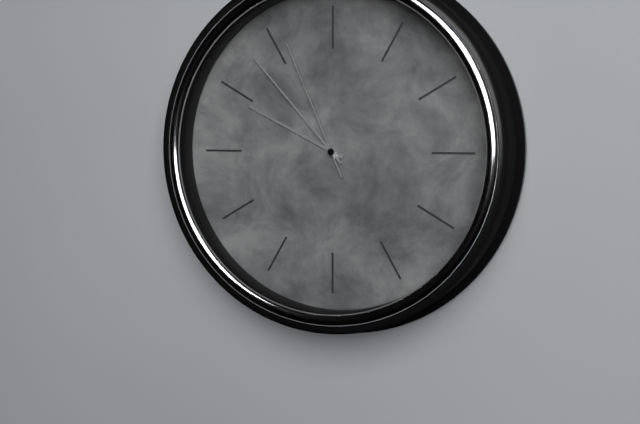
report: 9,53,56
